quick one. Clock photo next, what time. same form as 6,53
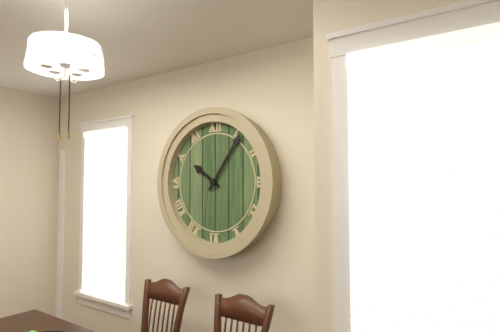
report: 10,06
